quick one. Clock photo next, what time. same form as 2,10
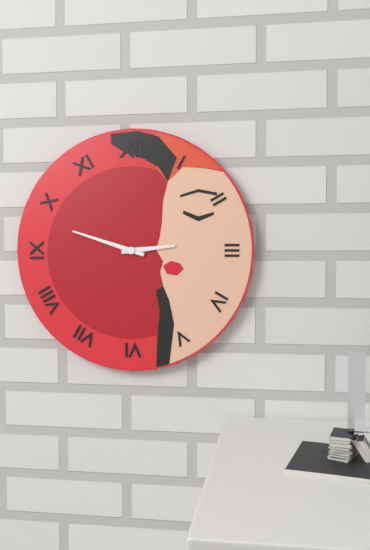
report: 2,48
